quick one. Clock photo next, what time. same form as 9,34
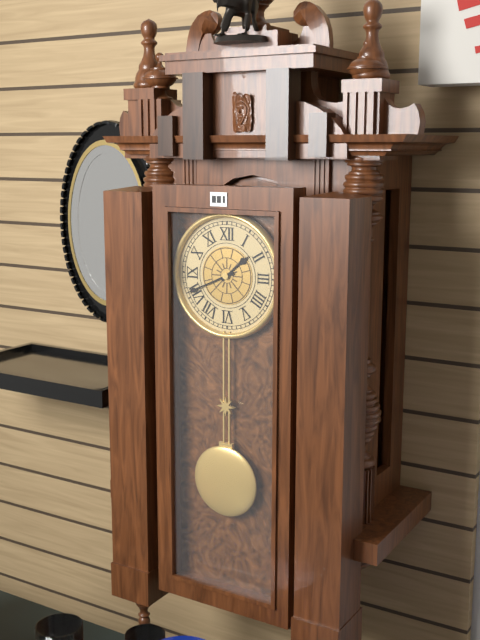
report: 1,41
